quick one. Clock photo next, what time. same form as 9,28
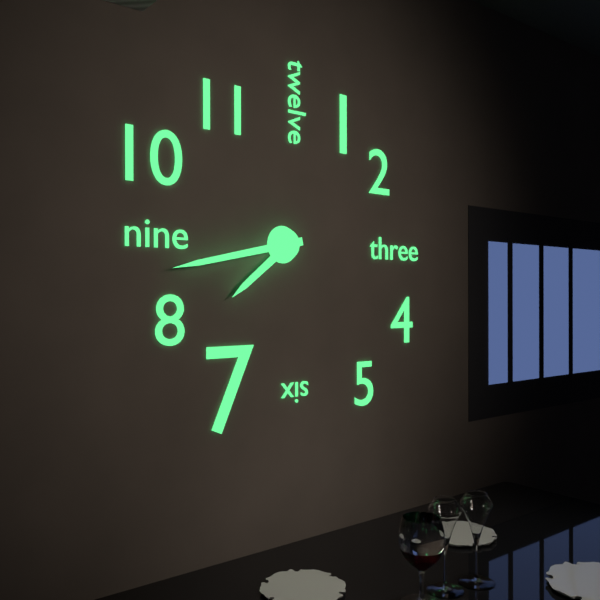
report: 7,43
